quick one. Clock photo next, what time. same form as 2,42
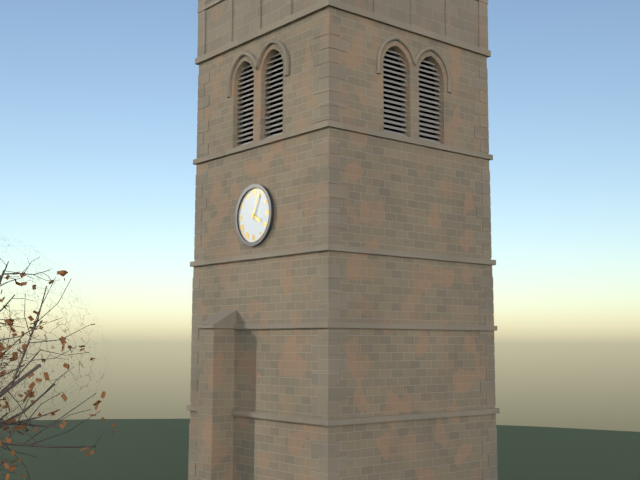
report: 4,04
